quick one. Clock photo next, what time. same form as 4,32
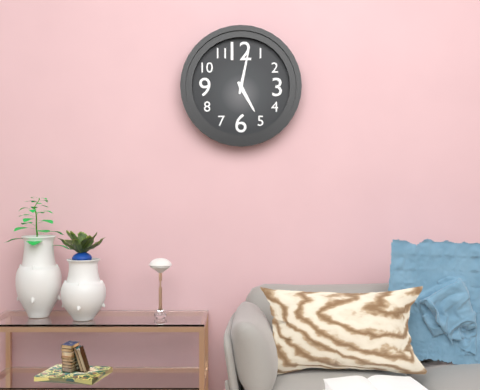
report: 5,02
